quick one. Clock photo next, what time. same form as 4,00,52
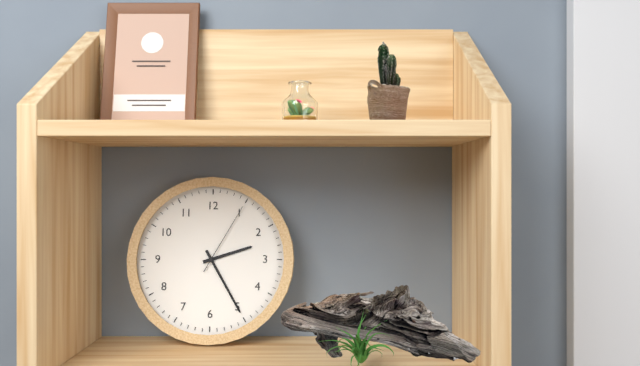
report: 2,25,05
